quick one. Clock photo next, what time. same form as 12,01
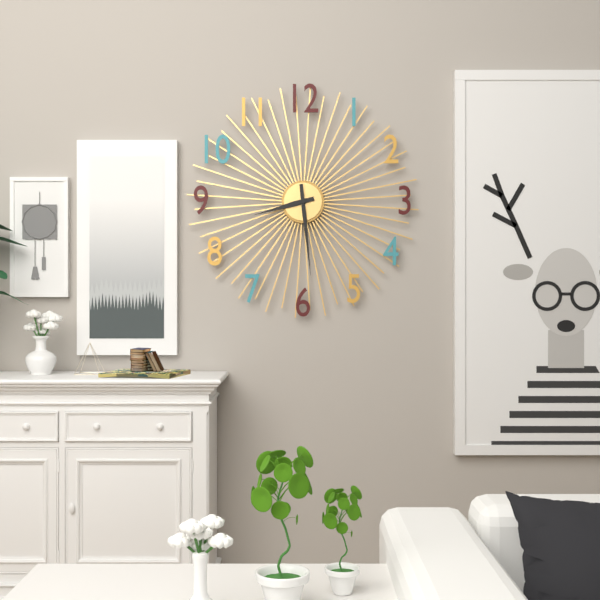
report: 8,29
